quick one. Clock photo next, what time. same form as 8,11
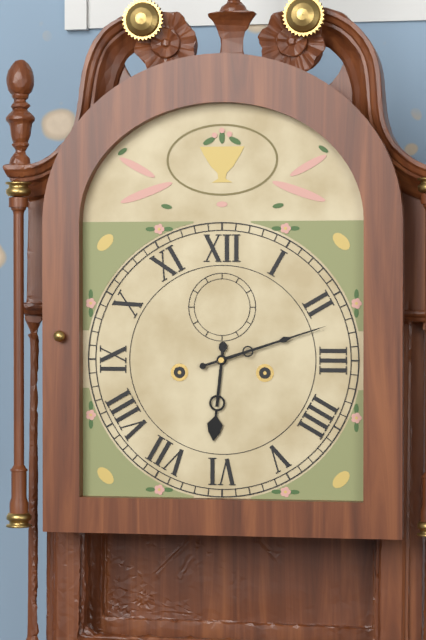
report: 6,12
